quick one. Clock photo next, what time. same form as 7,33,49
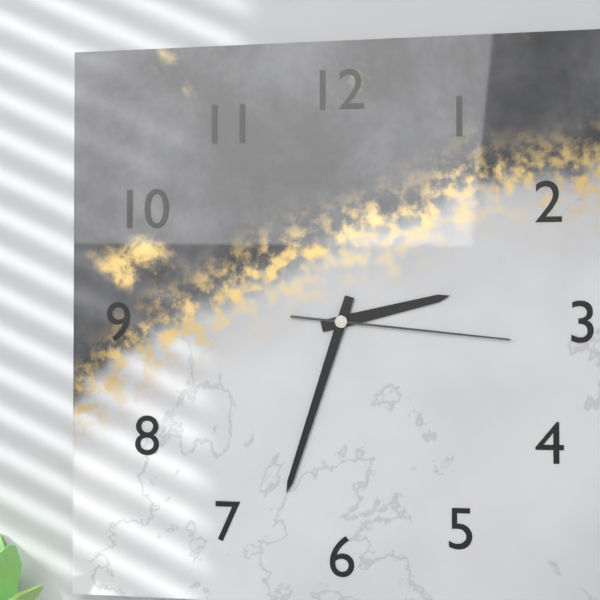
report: 2,33,16
